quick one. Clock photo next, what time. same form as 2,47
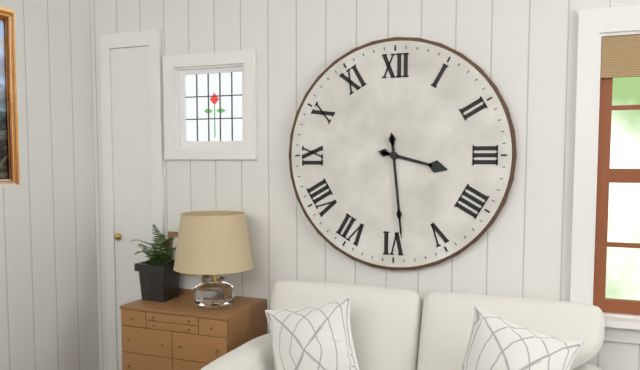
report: 3,29
